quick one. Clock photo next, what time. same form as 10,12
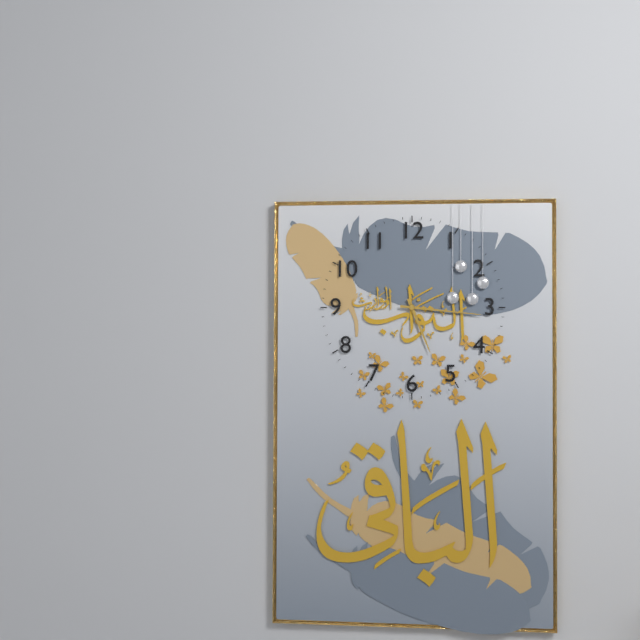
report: 5,16
